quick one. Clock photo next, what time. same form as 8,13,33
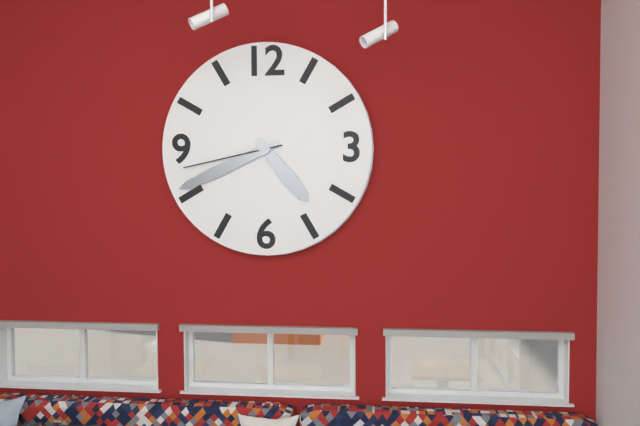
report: 4,41,43
